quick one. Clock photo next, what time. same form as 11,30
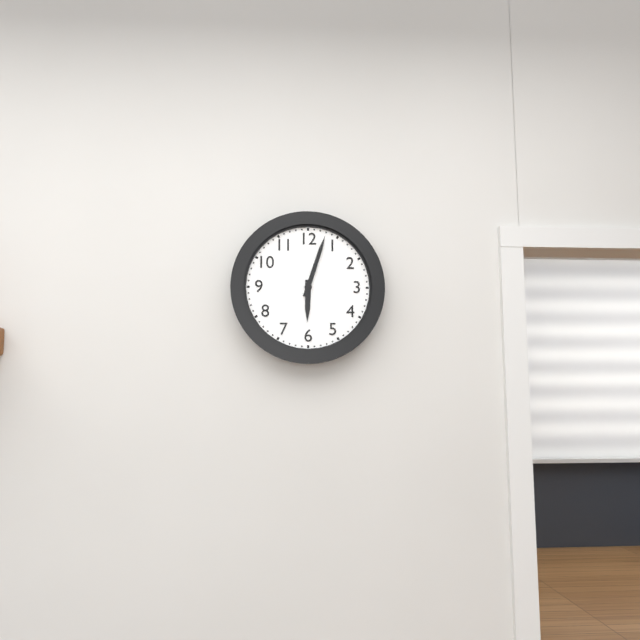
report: 6,03
